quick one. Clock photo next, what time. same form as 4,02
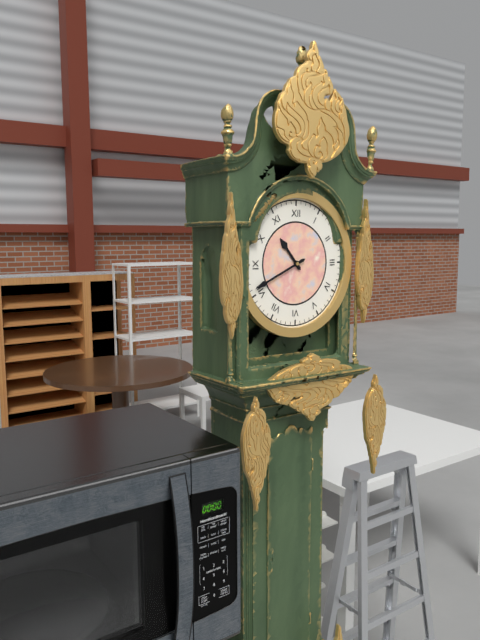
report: 10,41
